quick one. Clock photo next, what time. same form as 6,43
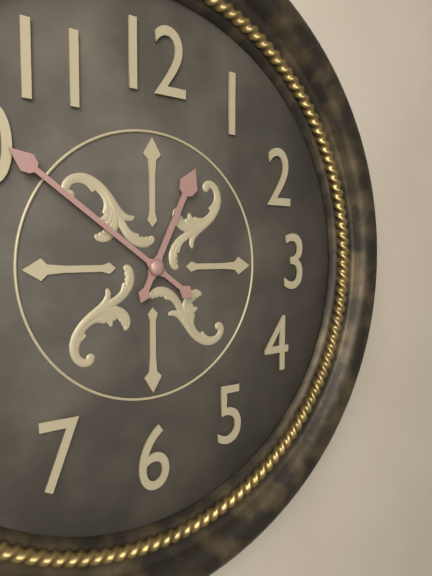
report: 12,51
